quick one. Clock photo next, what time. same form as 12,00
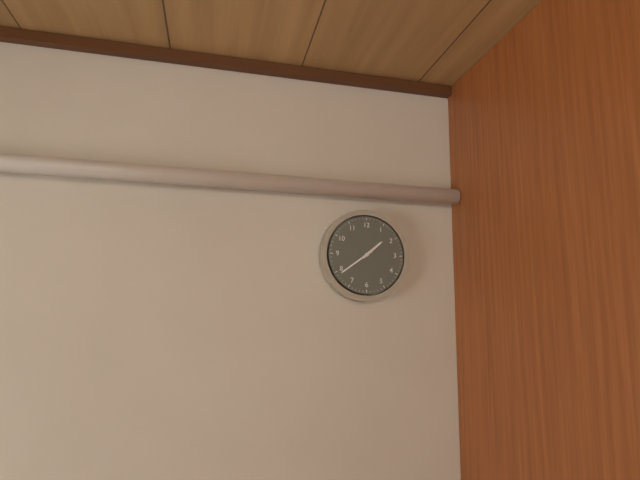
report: 1,39
